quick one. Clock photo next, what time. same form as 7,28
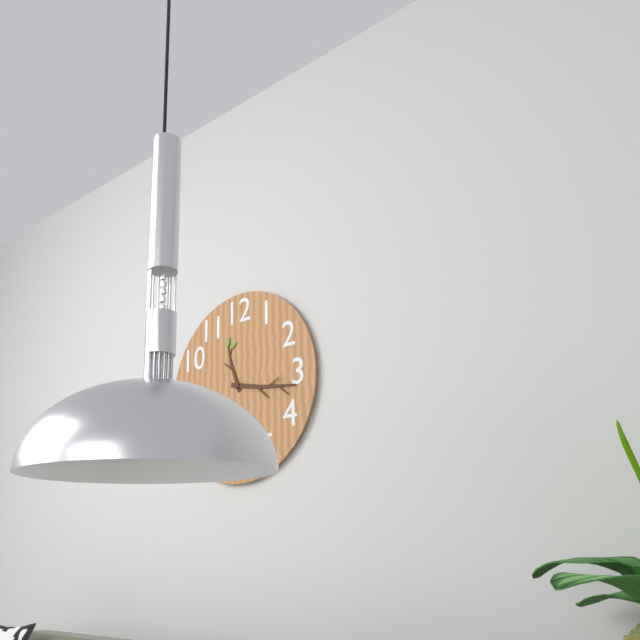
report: 11,17
